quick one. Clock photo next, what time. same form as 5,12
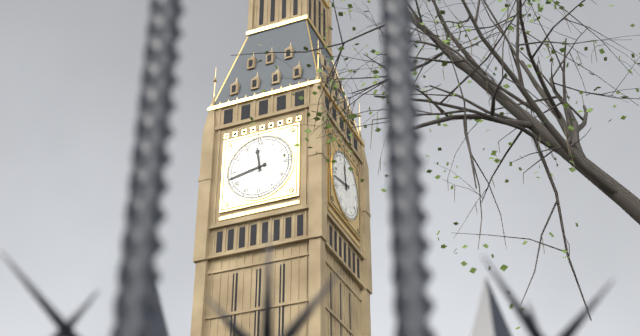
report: 11,43
